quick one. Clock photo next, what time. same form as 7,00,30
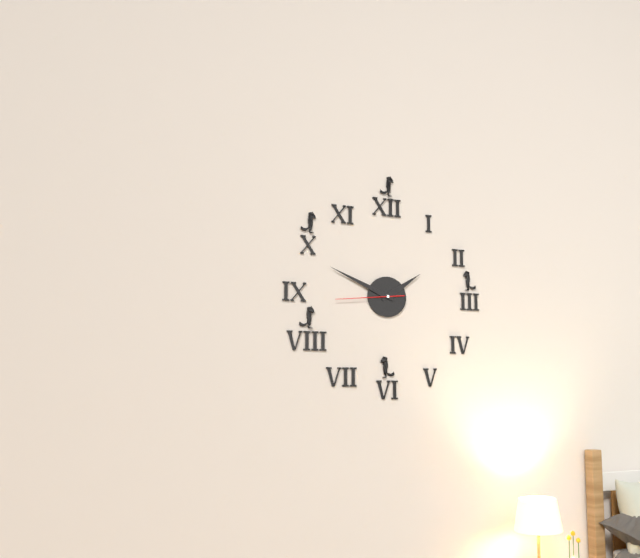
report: 1,49,44
